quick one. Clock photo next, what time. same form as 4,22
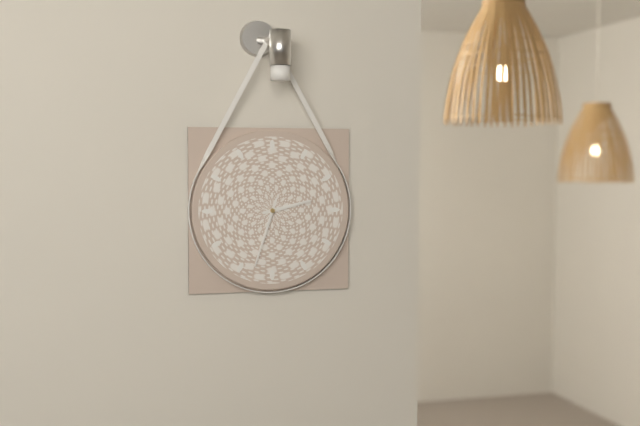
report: 2,33
